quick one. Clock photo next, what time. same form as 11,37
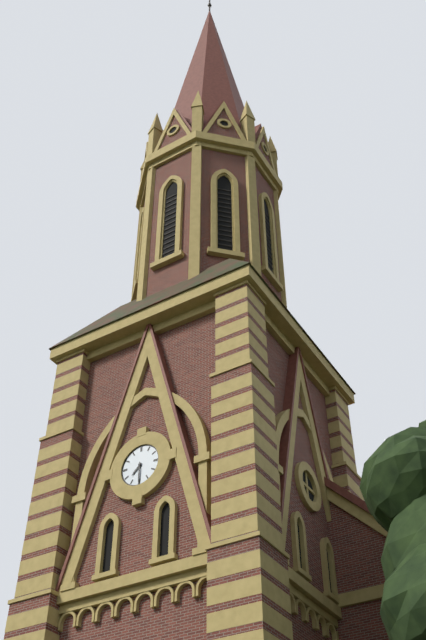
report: 7,30
